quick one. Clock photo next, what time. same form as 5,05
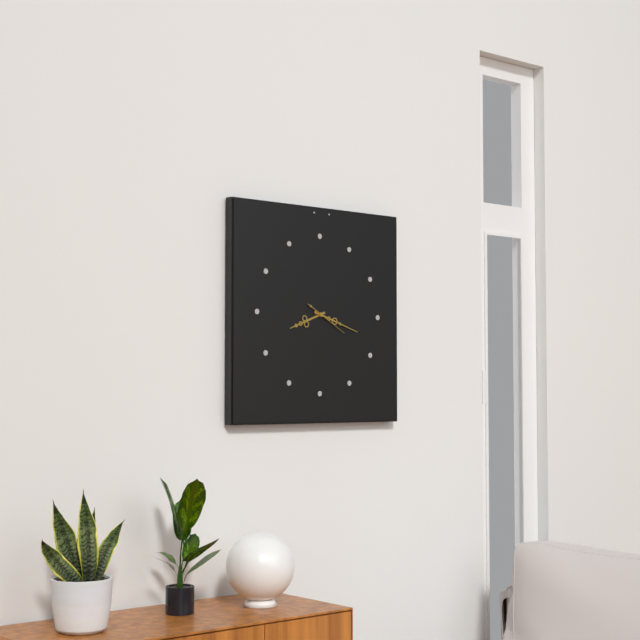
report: 8,18
